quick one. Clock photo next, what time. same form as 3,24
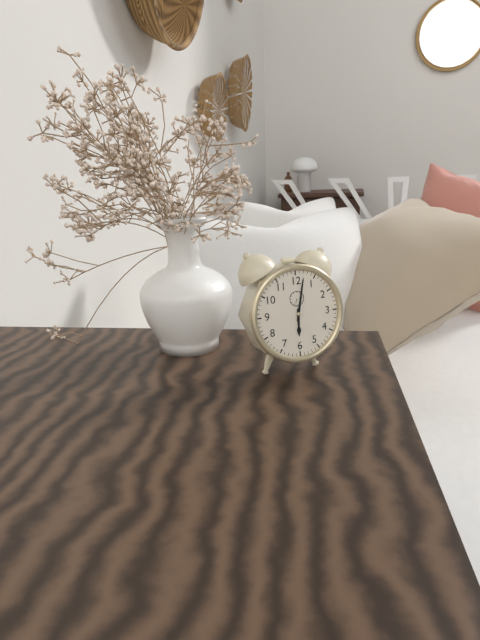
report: 6,02
